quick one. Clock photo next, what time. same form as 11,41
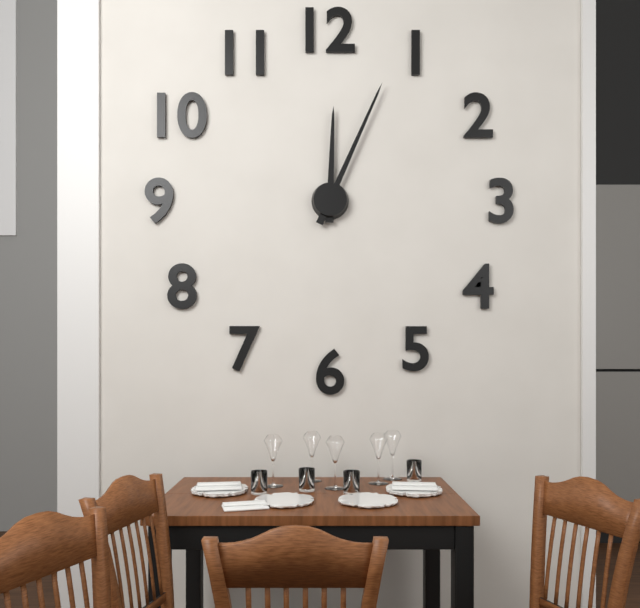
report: 12,04
